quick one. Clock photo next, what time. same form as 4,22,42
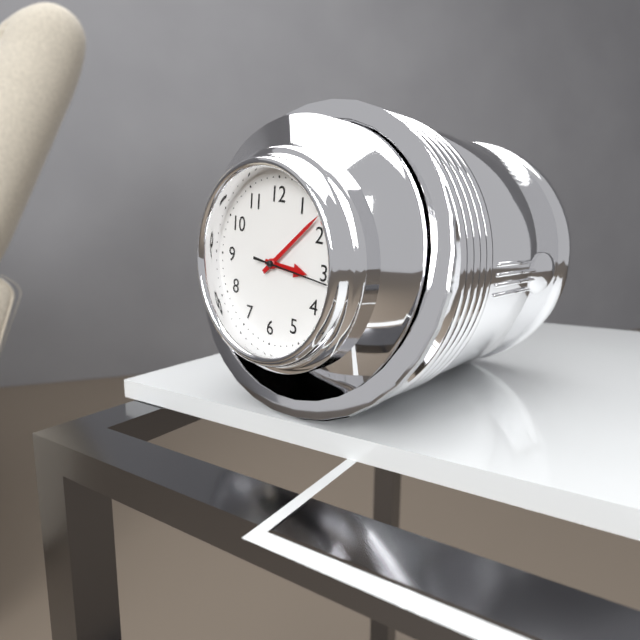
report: 3,08,16
